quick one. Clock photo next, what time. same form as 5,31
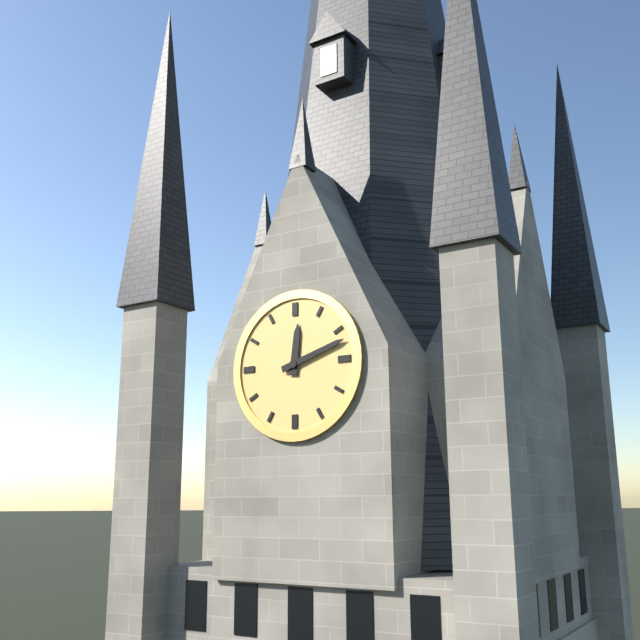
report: 12,12
